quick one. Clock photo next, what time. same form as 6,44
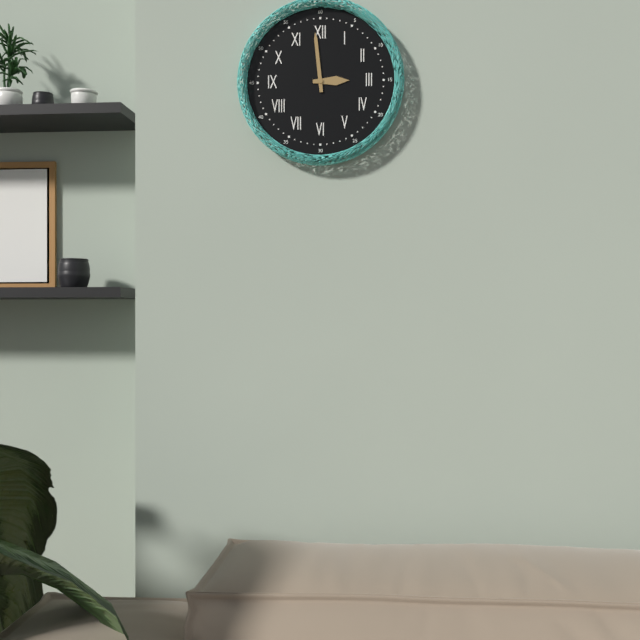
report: 2,59
